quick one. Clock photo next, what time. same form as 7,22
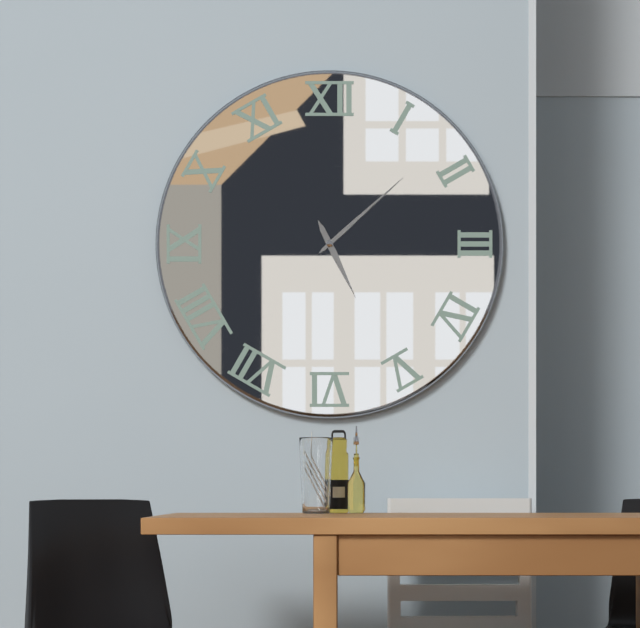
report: 5,08
